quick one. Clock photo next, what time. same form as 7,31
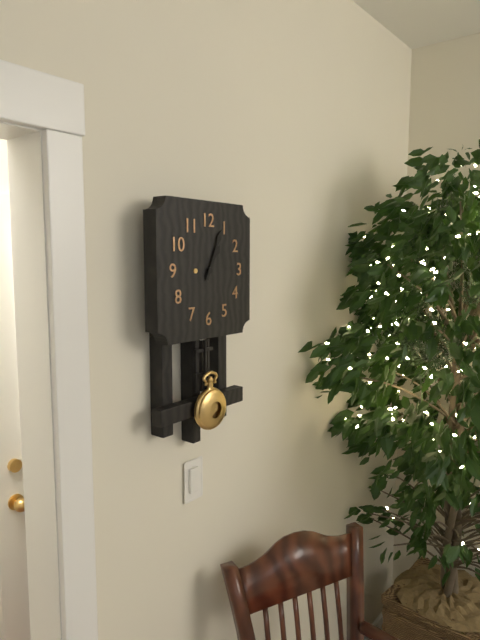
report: 1,04
